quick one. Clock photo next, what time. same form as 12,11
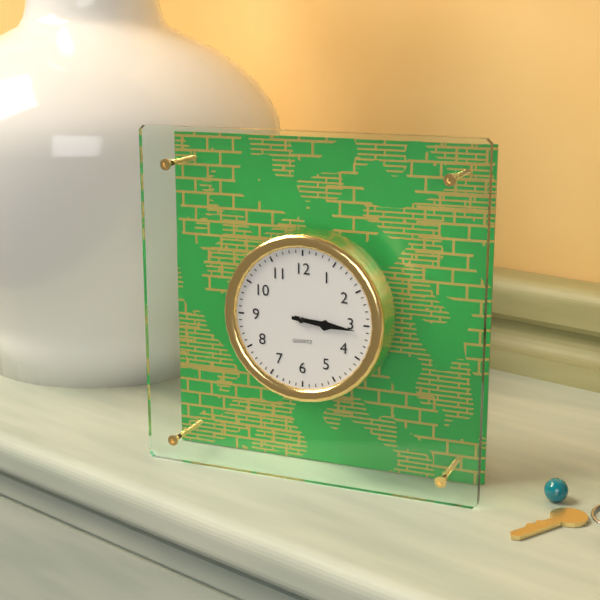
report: 3,16
